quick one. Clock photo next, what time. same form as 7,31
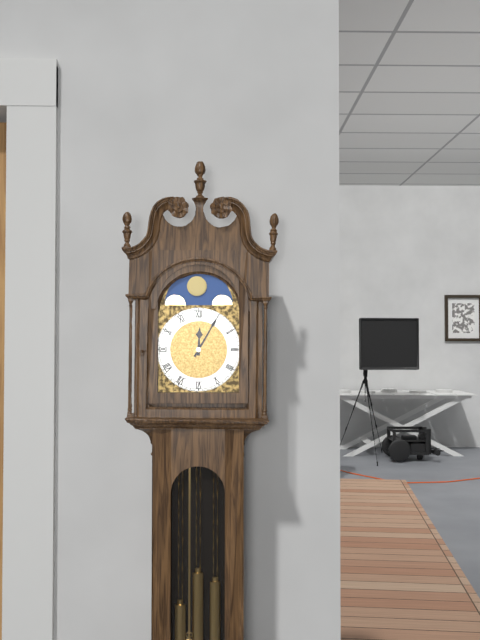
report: 12,05
